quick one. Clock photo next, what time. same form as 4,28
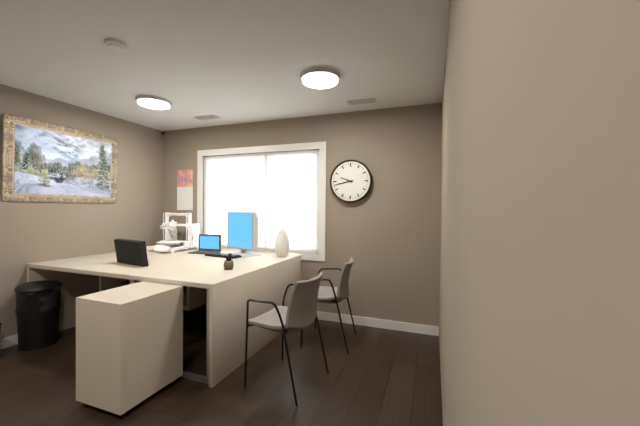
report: 9,43
